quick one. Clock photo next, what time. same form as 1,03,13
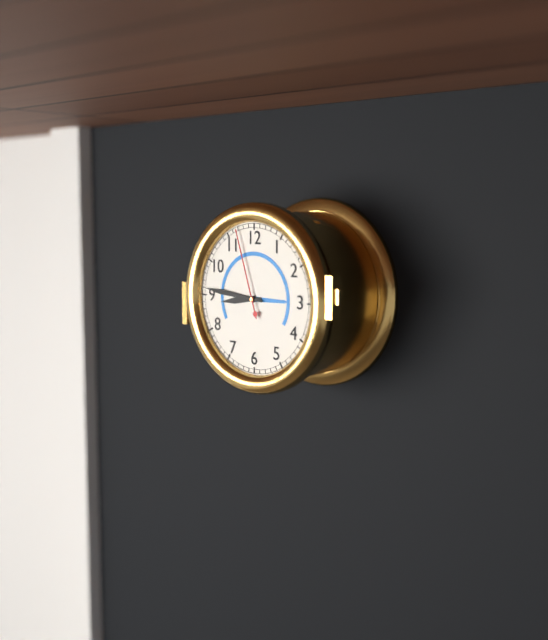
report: 8,46,57
